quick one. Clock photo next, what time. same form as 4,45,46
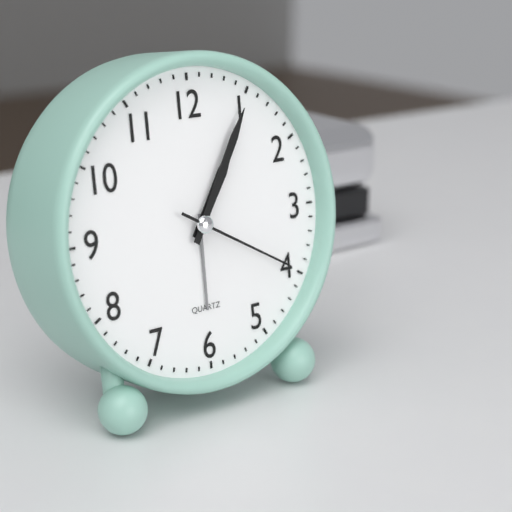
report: 1,05,20
